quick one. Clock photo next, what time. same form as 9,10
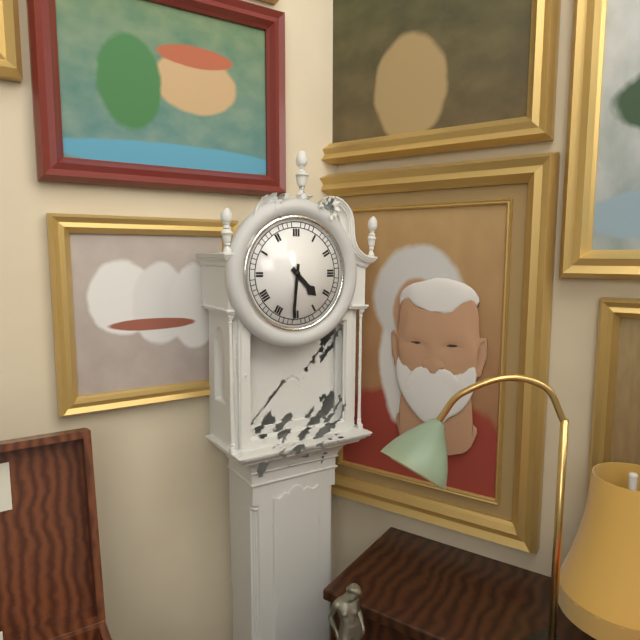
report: 4,31
